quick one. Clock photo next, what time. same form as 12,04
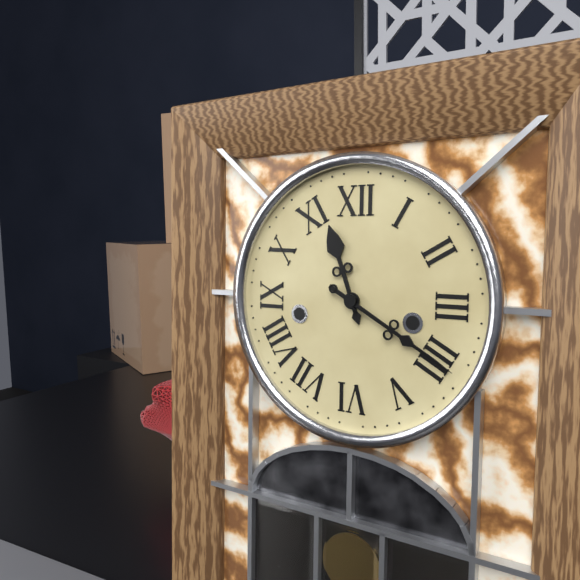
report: 11,20
